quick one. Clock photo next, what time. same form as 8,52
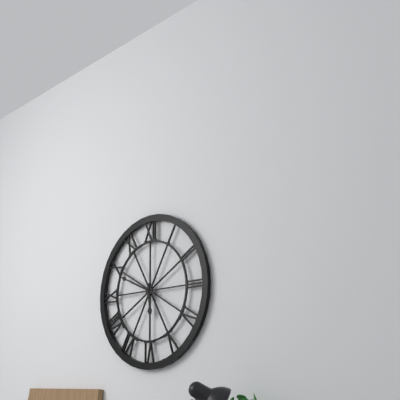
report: 5,49
